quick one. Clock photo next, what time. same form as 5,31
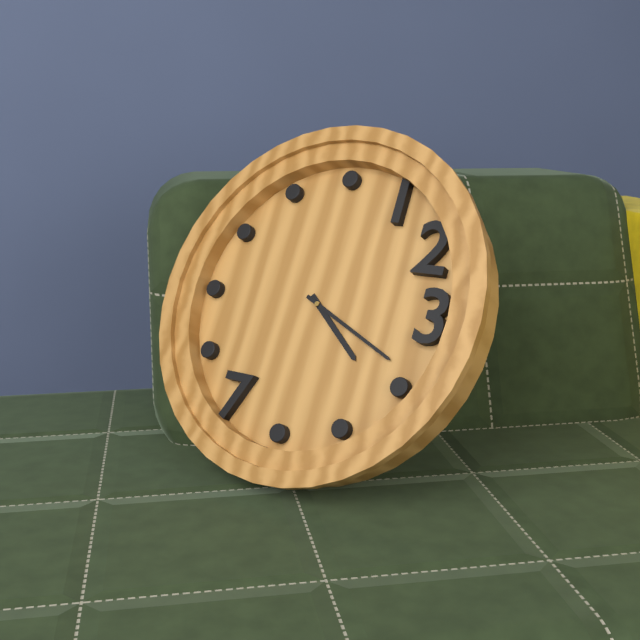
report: 4,19
